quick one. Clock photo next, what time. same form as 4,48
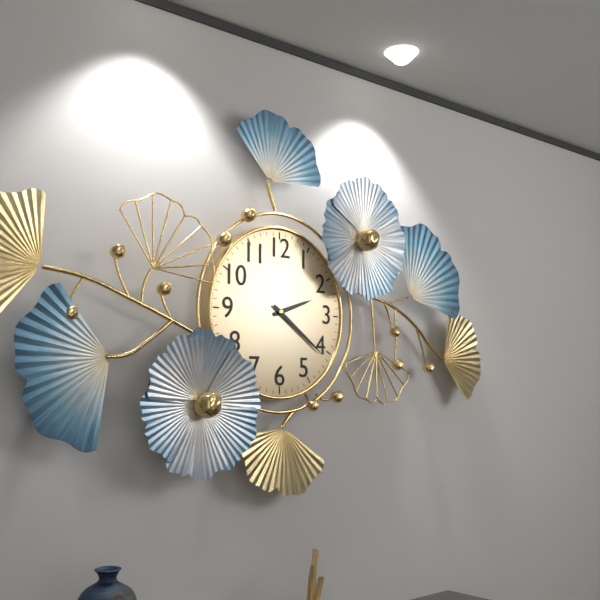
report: 2,21
